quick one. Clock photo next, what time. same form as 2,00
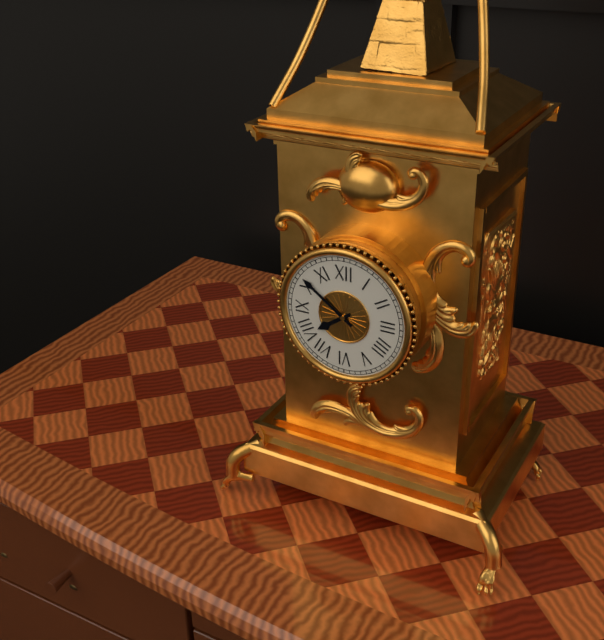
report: 7,51
